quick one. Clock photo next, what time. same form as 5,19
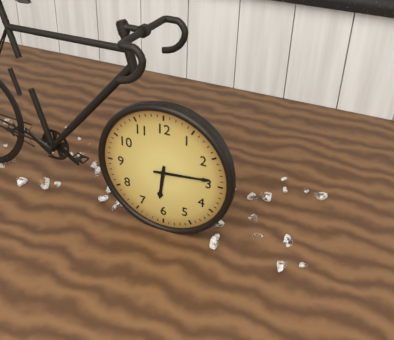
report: 6,14
